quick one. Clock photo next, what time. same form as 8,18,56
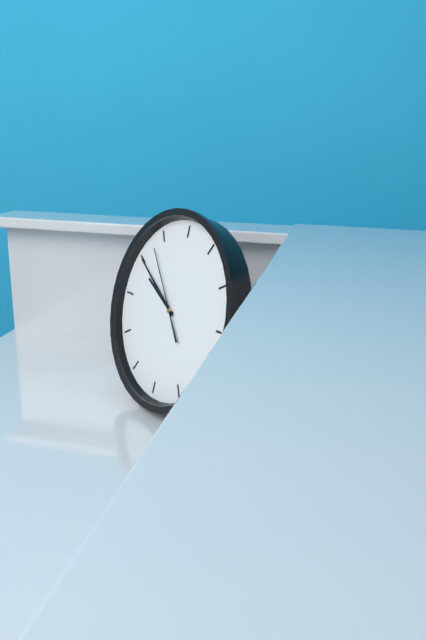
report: 9,50,53
